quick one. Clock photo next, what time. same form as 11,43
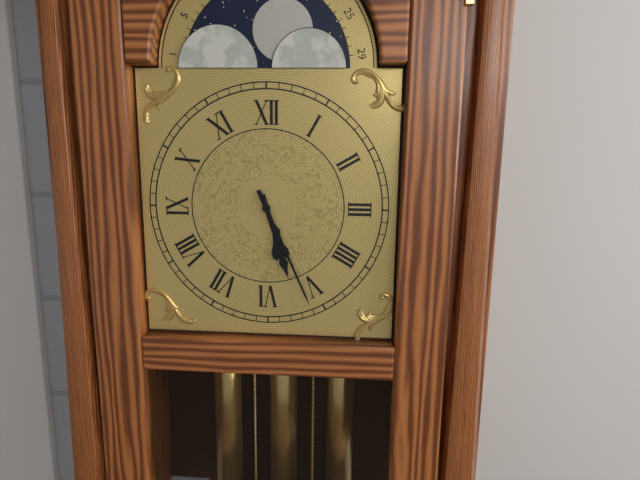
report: 5,26
